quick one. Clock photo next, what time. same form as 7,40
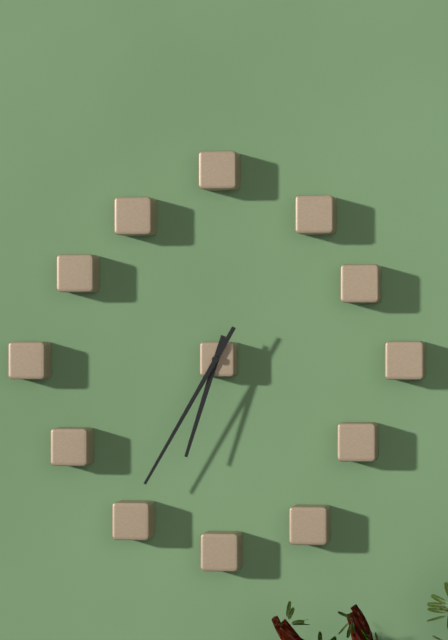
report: 6,35
